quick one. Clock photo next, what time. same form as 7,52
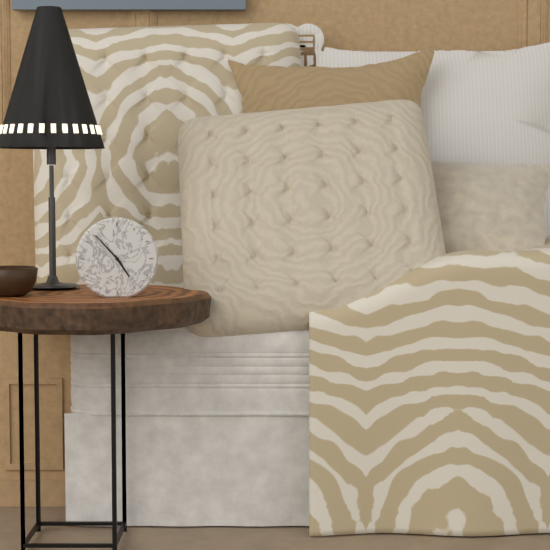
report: 4,53
